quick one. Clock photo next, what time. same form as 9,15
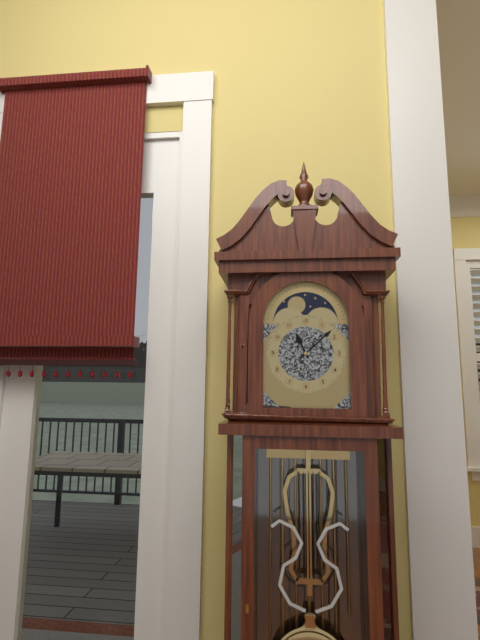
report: 11,08
